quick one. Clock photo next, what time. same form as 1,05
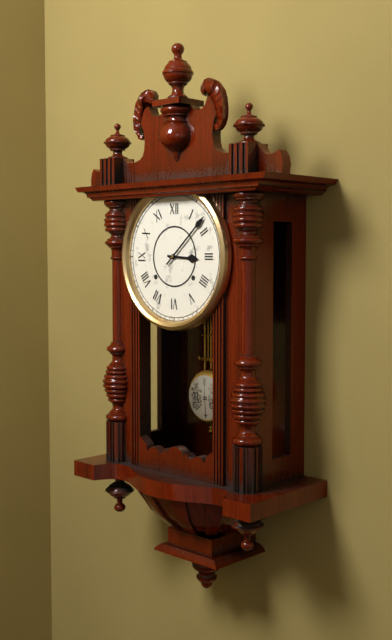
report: 3,08
